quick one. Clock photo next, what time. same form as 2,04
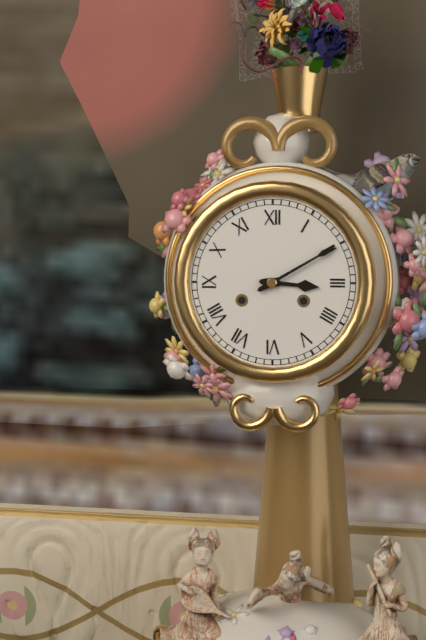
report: 3,10
